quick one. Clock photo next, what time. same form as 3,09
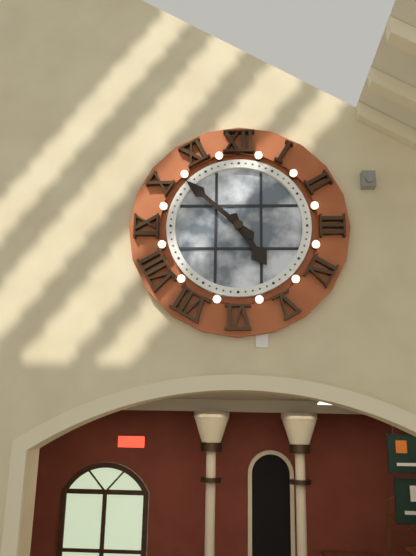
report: 4,52
